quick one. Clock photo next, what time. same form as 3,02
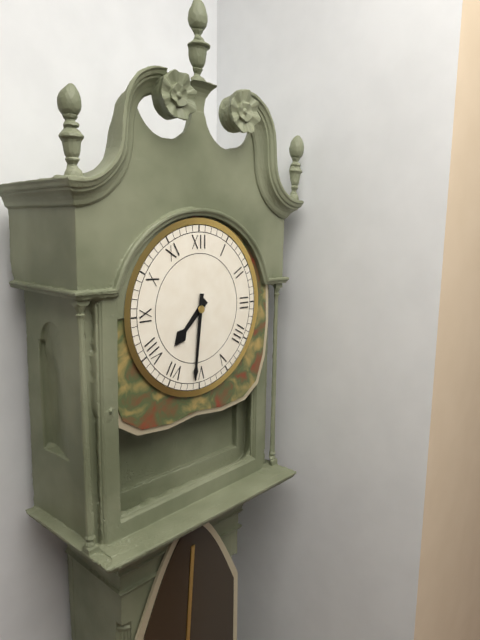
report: 7,31
